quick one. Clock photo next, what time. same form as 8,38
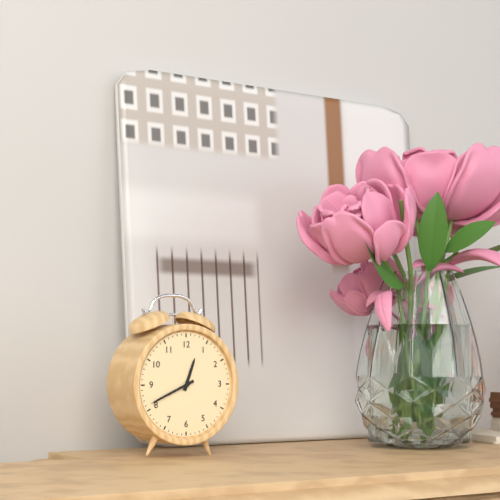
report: 12,41
